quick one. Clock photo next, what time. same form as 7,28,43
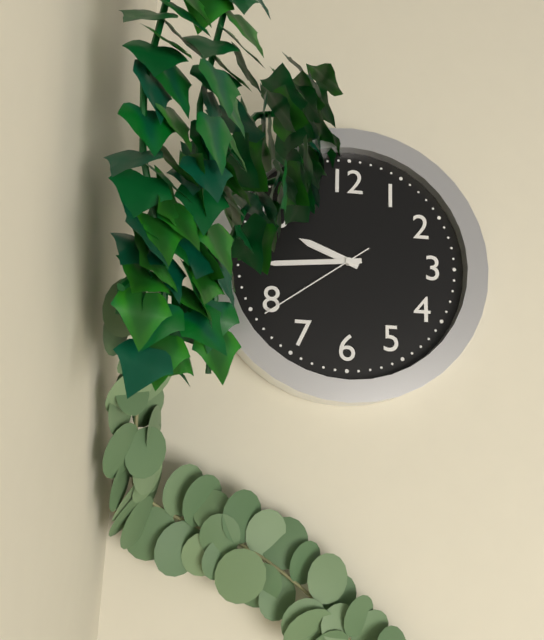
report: 9,44,39
